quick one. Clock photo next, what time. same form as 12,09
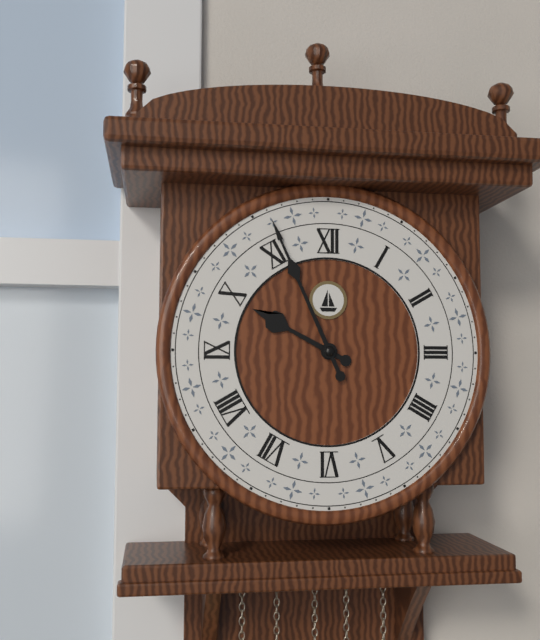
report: 9,56
